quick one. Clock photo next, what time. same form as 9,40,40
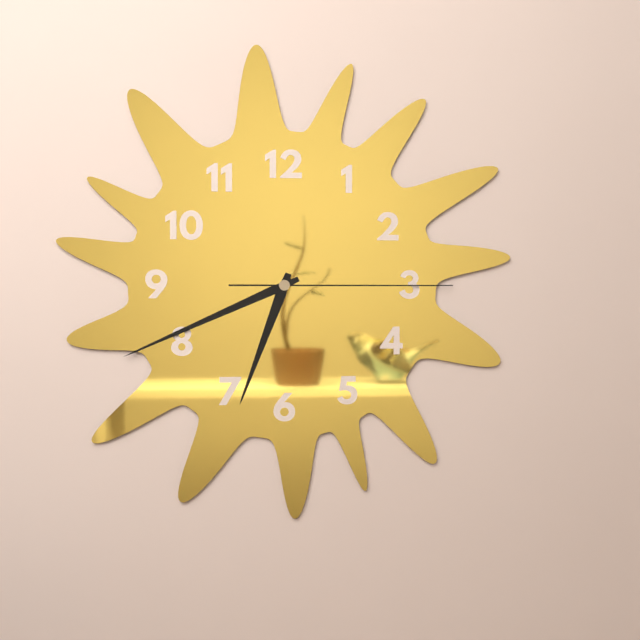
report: 6,41,15
